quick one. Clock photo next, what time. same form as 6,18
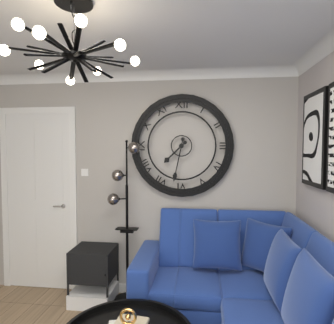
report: 7,32
